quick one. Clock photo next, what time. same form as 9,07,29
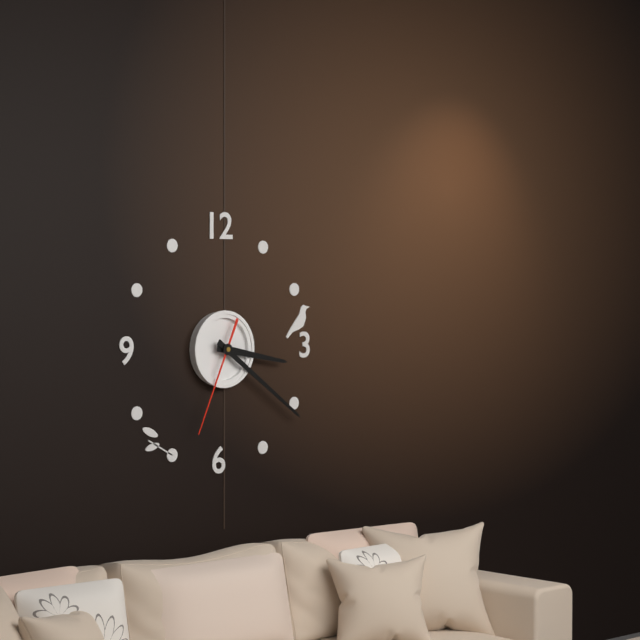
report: 3,21,34
